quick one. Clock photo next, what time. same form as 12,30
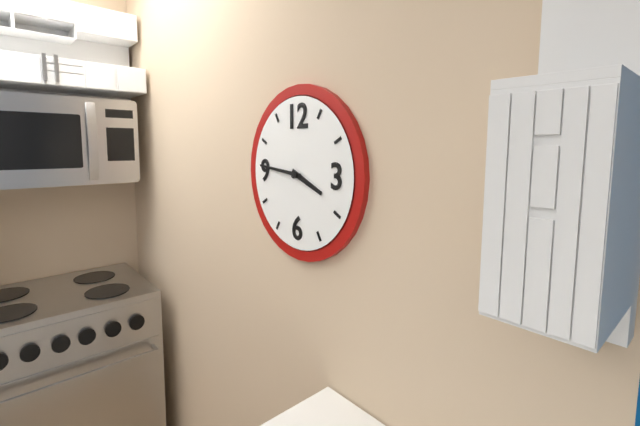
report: 3,46
